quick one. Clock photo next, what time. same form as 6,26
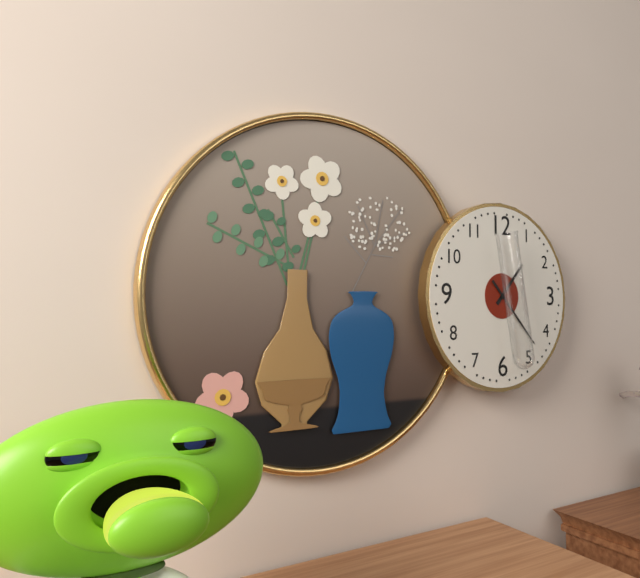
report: 1,23
